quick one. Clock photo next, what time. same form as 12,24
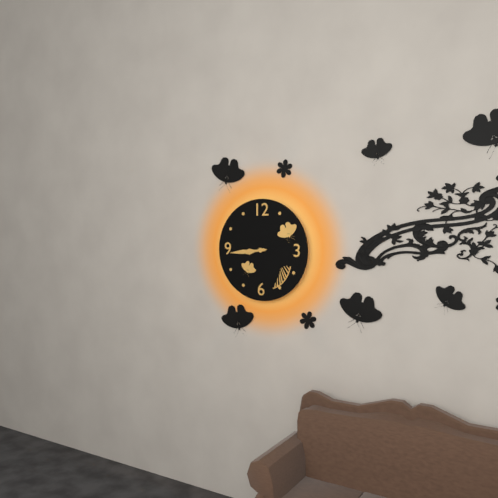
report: 8,44
